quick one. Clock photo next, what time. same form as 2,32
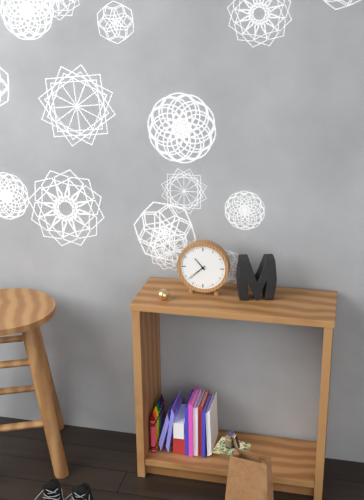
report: 10,38
